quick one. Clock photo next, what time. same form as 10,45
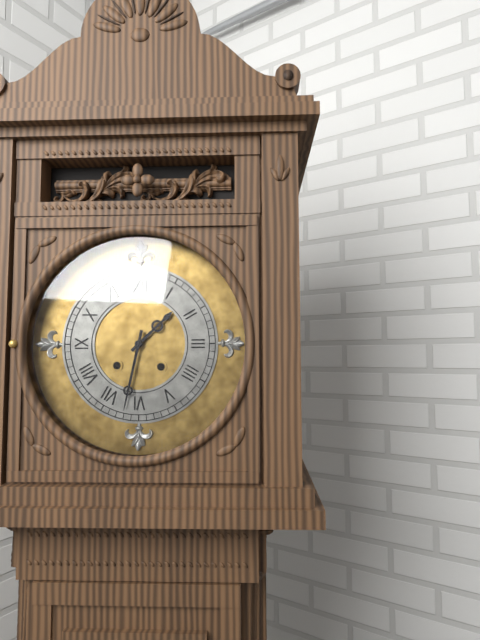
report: 1,32
